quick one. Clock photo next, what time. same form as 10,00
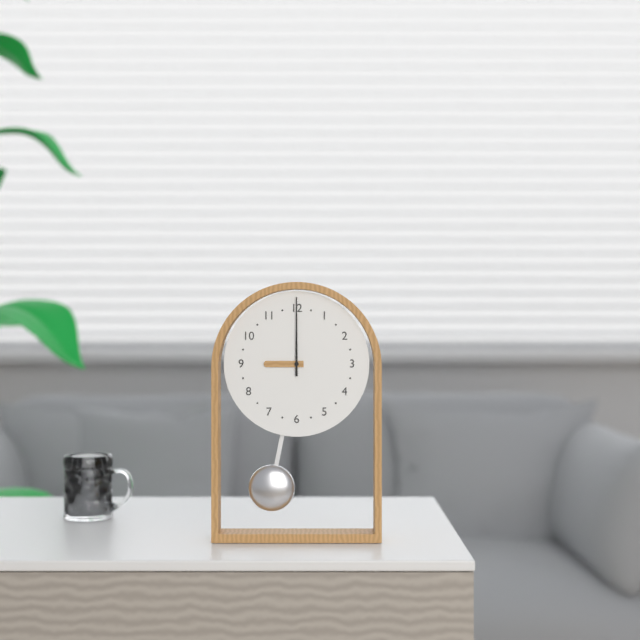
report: 9,00
